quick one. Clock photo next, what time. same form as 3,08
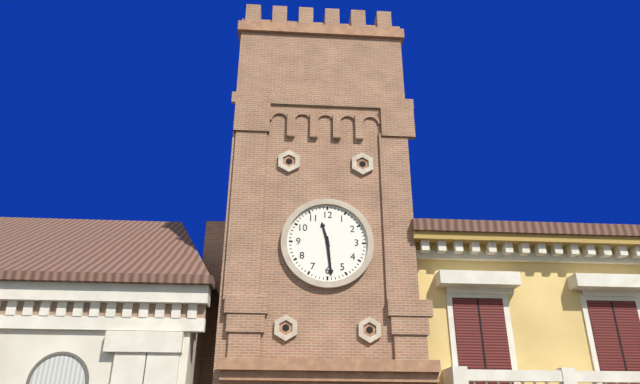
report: 11,29
